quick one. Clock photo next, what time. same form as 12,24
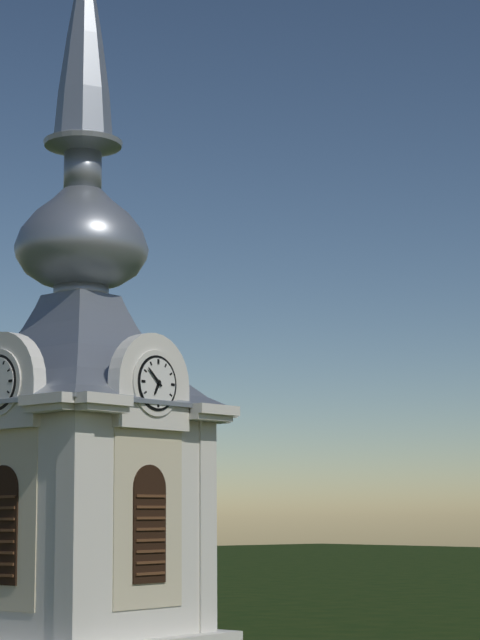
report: 6,52
